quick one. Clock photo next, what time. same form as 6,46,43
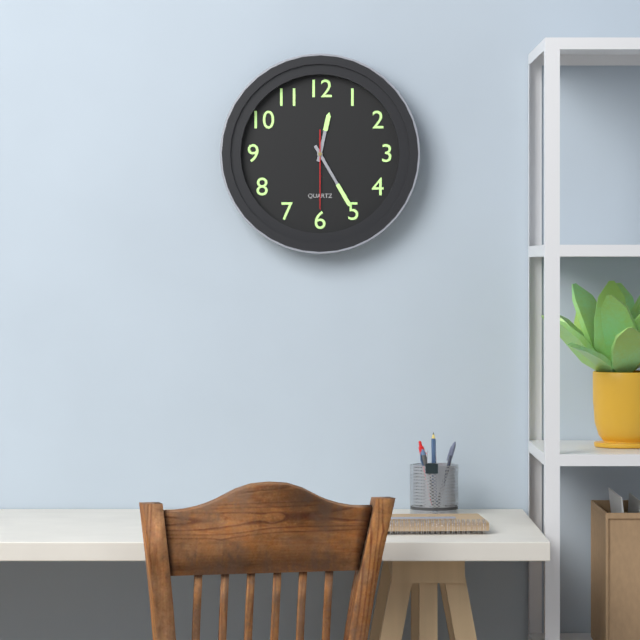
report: 12,25,30
